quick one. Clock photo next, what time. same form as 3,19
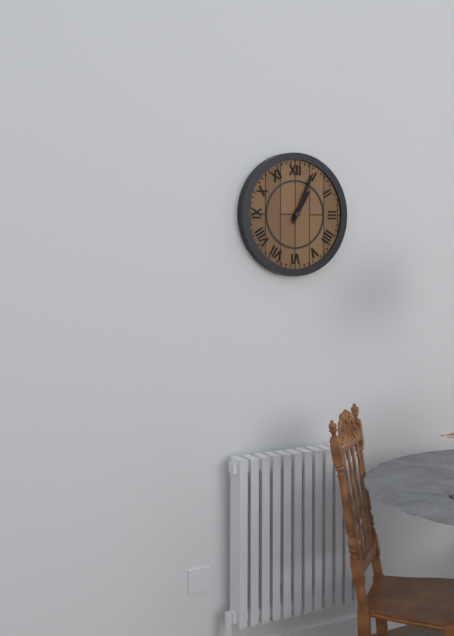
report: 1,04
